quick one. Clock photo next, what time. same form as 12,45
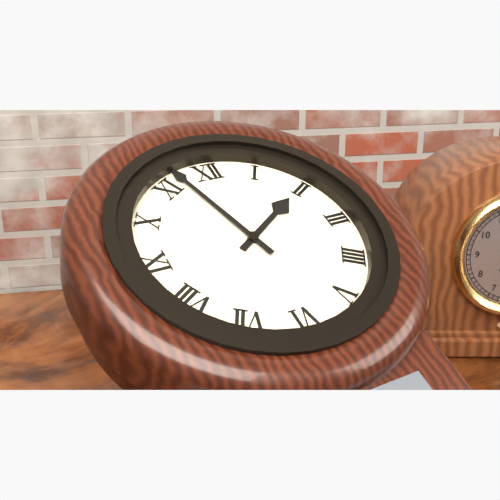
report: 1,57
